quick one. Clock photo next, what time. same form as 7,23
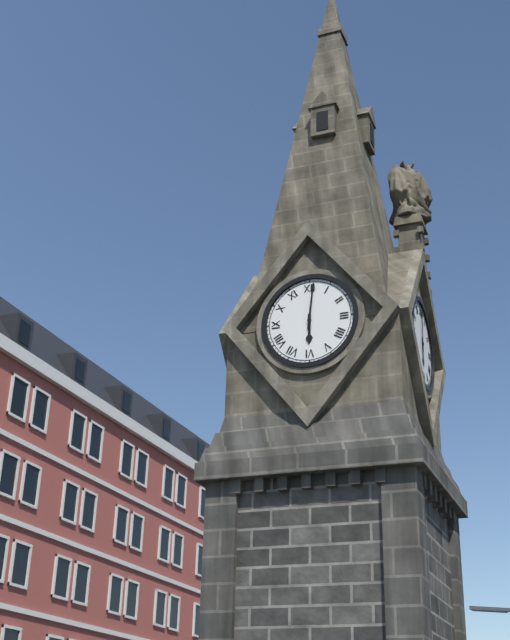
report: 6,01
